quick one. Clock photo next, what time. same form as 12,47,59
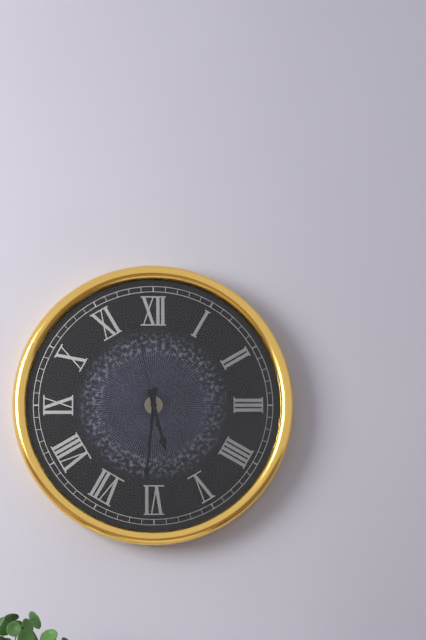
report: 5,31,58
